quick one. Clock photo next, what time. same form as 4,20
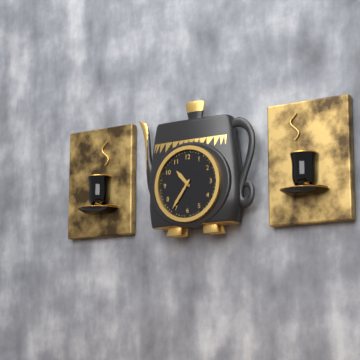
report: 10,36
